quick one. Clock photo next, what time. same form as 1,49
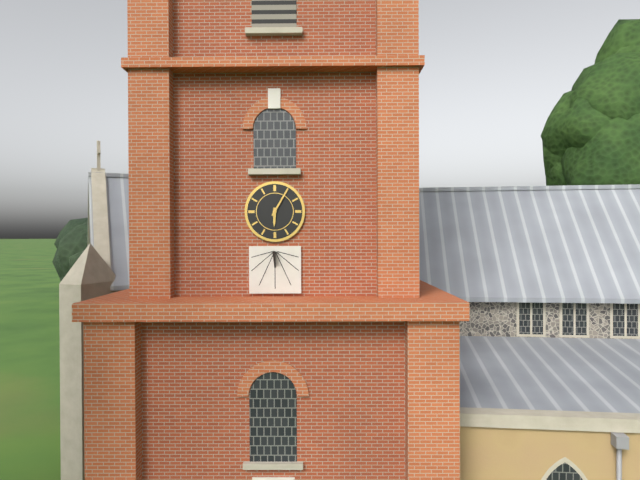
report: 6,05
